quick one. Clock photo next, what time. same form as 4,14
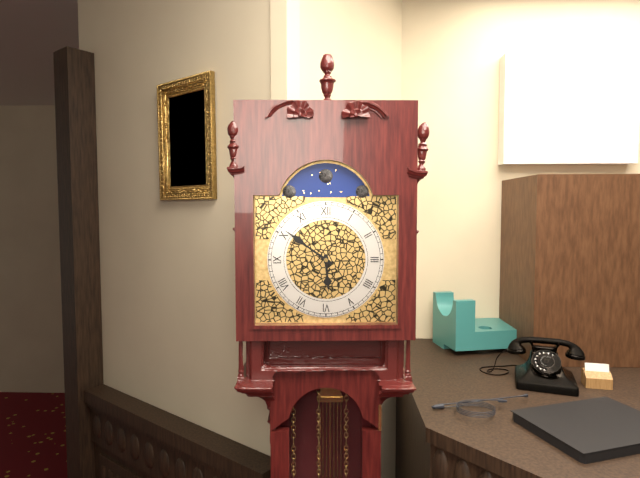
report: 5,51
